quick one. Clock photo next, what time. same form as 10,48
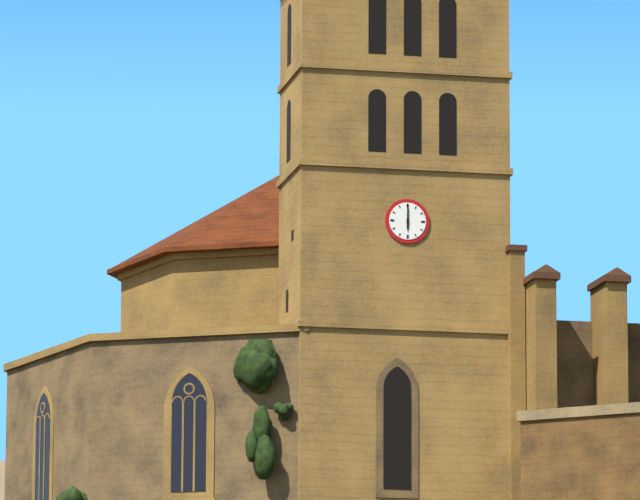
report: 6,00
